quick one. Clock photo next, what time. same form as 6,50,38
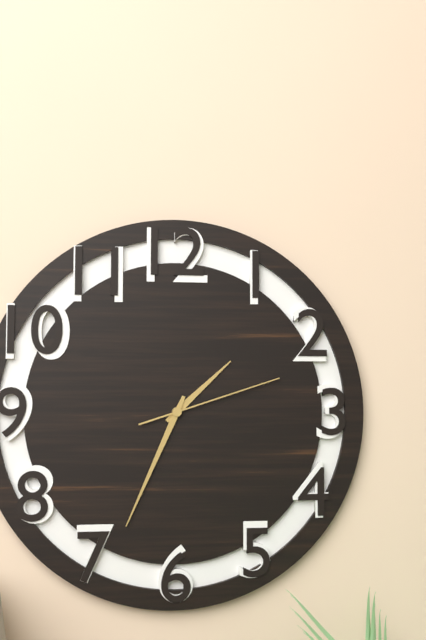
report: 1,34,12
